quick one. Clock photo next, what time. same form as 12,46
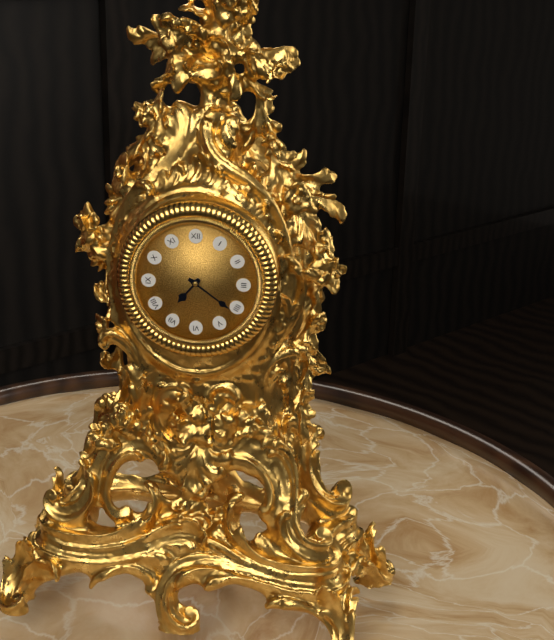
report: 7,21
